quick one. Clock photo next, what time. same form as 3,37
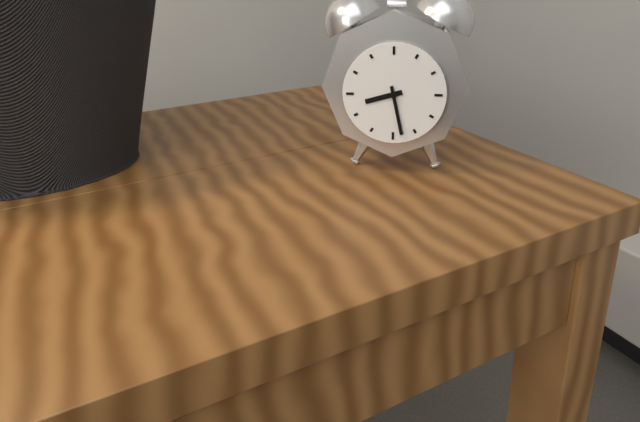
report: 8,28
